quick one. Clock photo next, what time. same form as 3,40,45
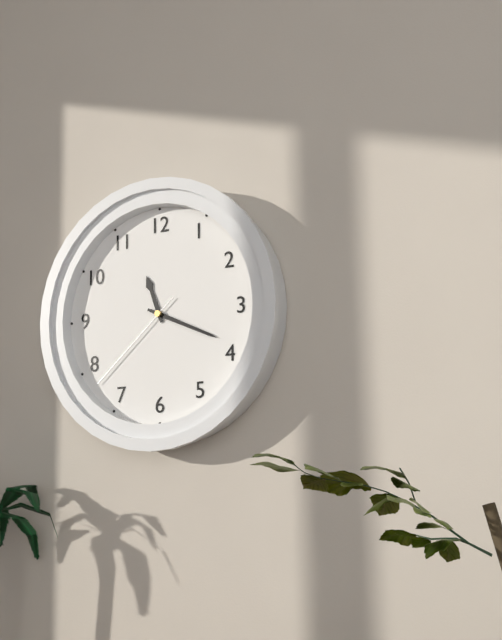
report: 11,19,38
